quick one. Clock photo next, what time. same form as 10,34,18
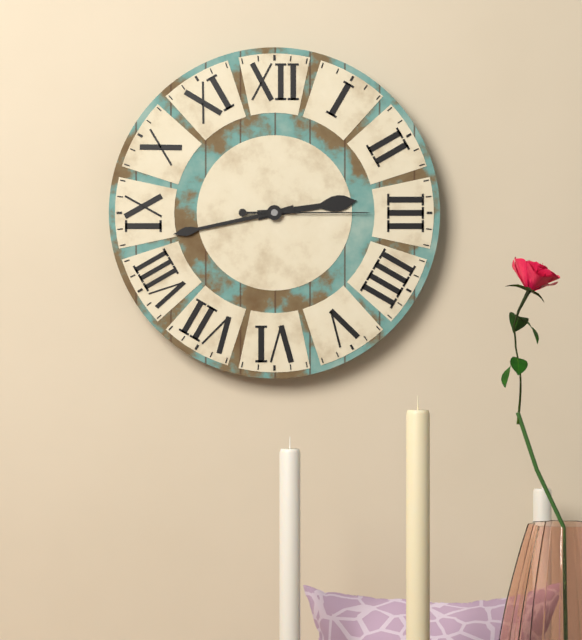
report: 2,43,15
